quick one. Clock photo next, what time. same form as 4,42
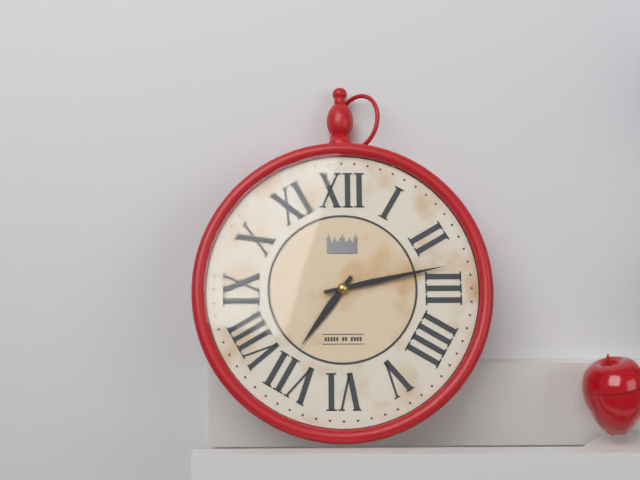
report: 7,13
